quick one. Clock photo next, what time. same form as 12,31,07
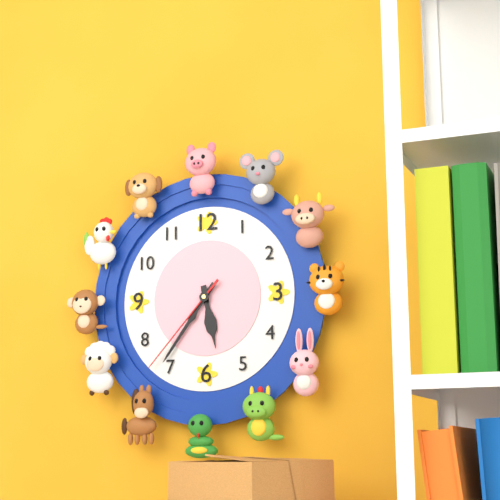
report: 5,36,37
